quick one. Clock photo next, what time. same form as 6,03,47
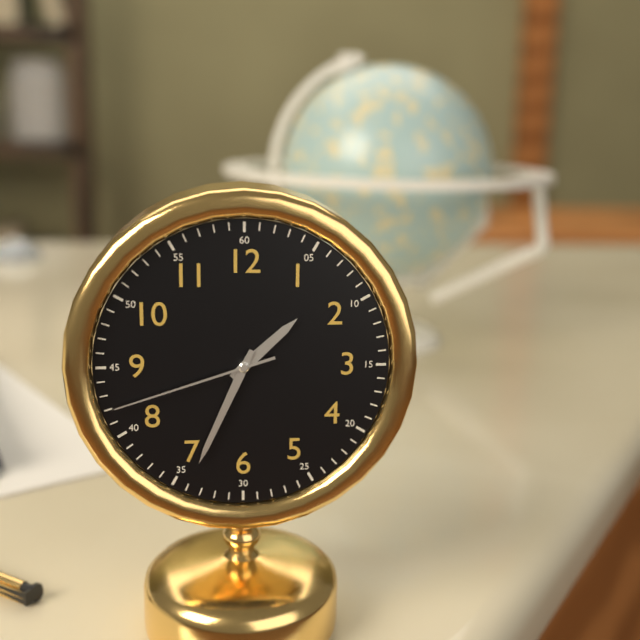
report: 1,34,42
